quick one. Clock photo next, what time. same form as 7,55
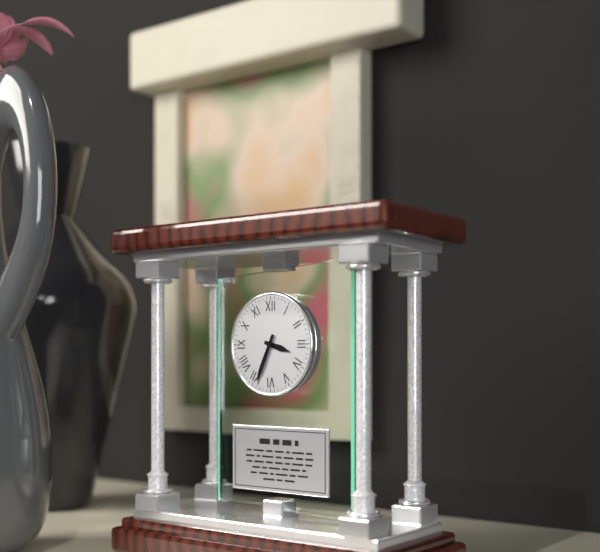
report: 3,34
